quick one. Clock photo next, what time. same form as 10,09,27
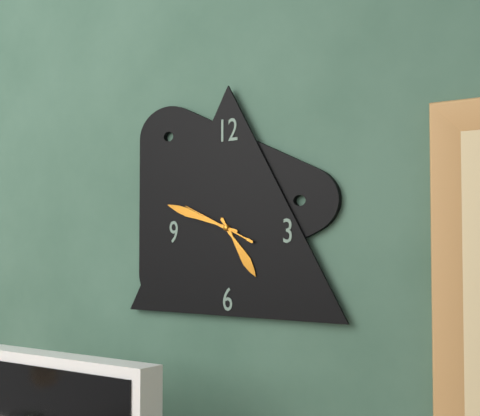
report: 4,48,49
